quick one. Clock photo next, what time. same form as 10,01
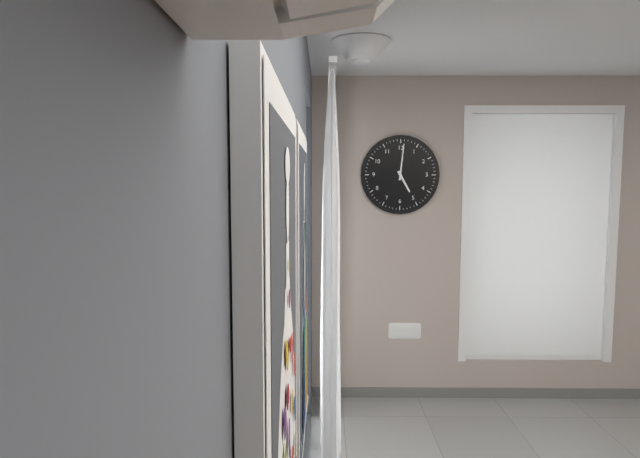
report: 5,01
